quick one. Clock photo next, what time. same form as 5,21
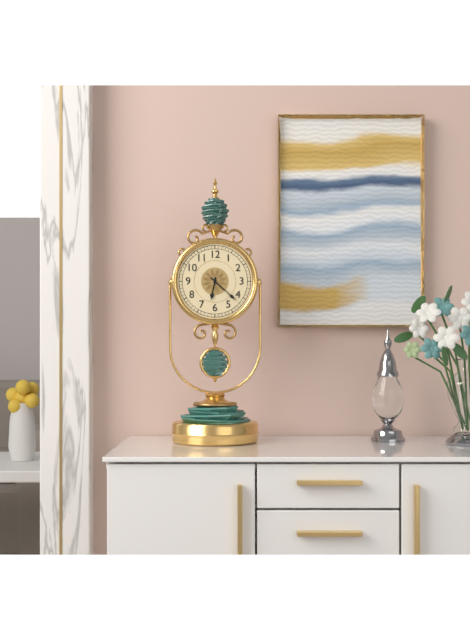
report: 6,22
